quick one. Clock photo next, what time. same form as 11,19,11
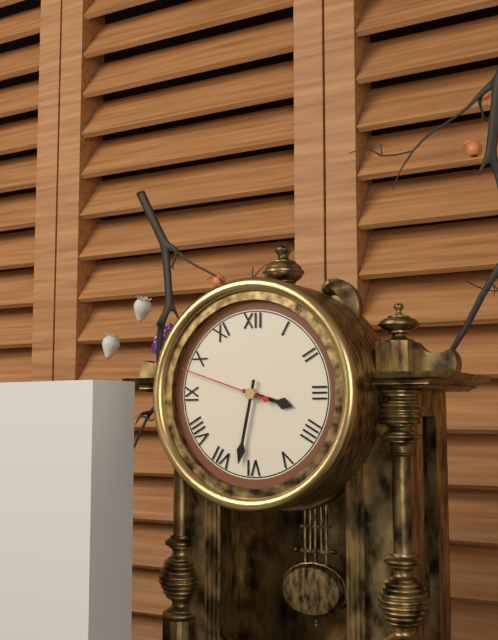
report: 3,32,48
